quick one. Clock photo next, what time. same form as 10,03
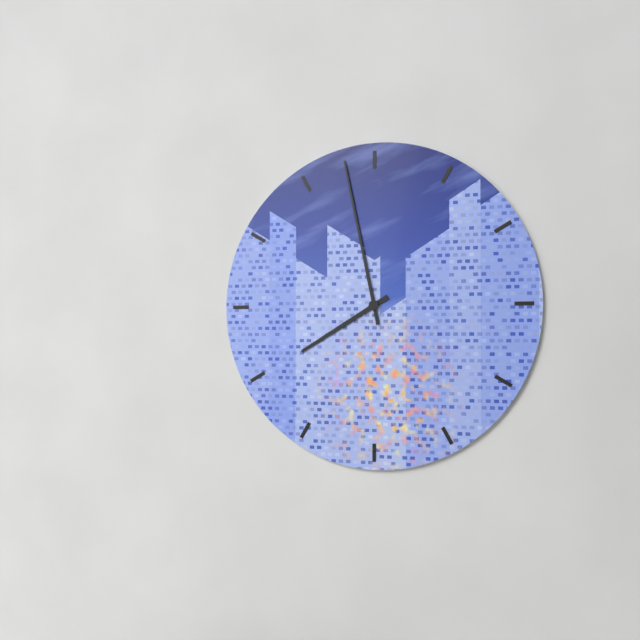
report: 7,58
